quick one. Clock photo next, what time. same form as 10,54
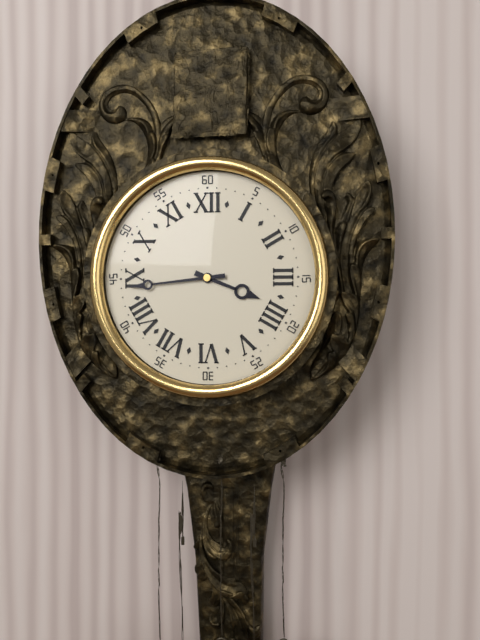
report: 3,44
